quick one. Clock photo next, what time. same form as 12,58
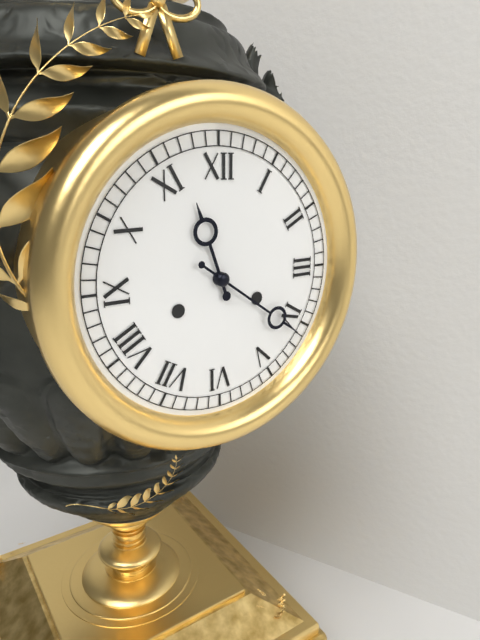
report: 11,21
